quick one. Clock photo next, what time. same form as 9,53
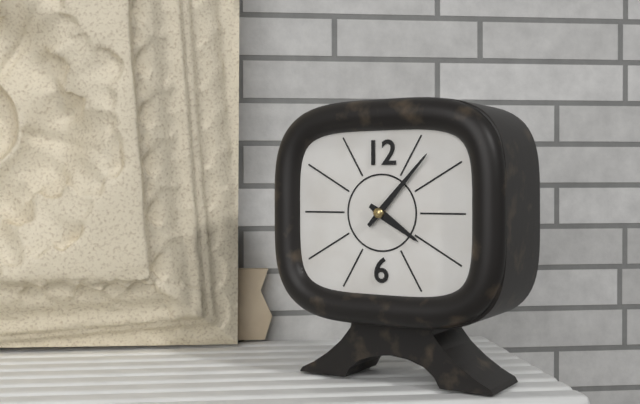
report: 4,07
